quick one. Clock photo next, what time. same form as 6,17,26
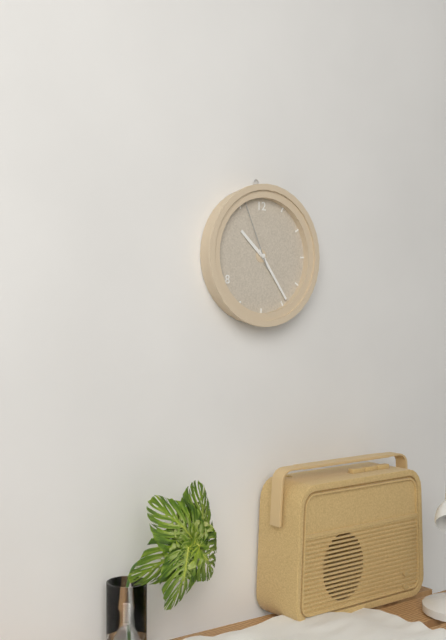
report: 10,24,56
